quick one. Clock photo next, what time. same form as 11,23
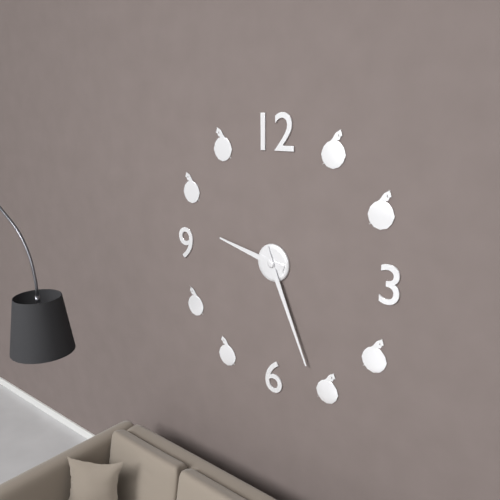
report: 9,26
